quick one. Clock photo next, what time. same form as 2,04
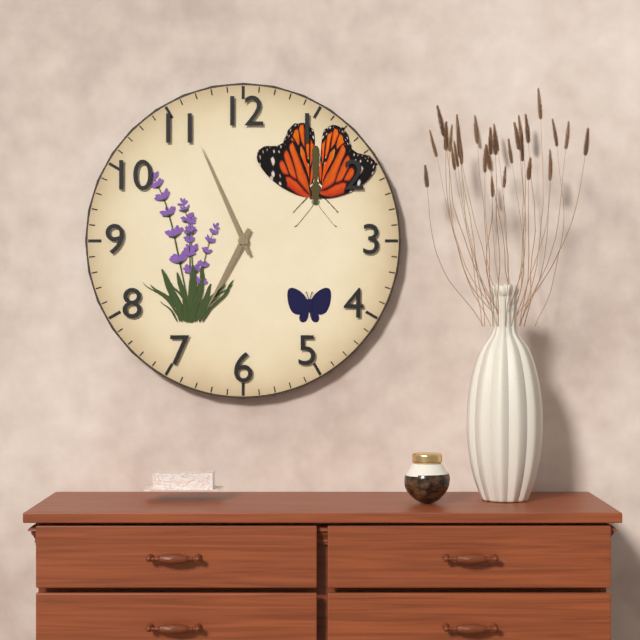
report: 6,56
